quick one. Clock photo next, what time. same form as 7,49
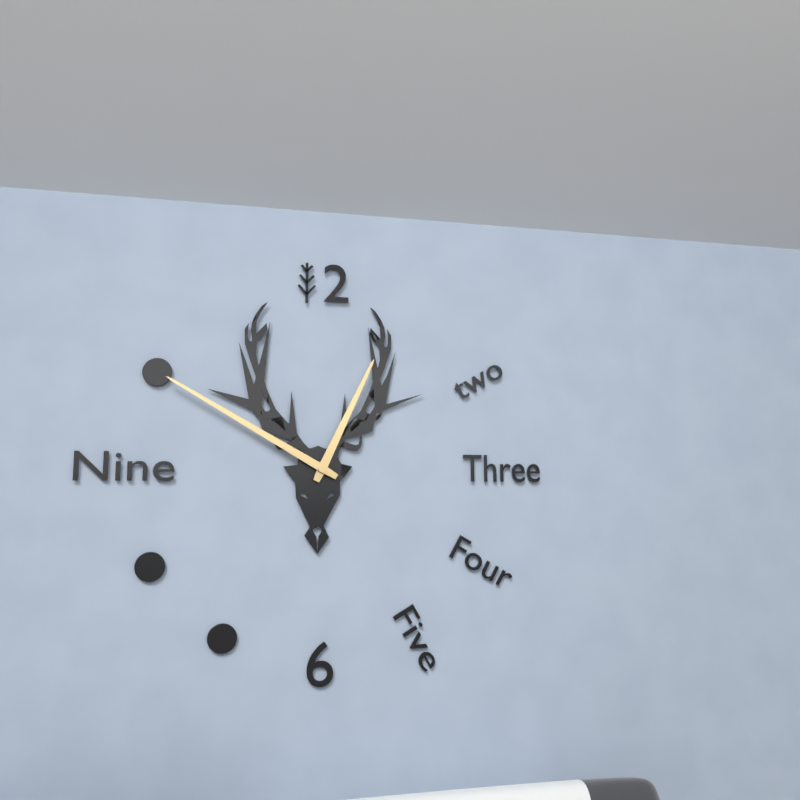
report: 12,50
